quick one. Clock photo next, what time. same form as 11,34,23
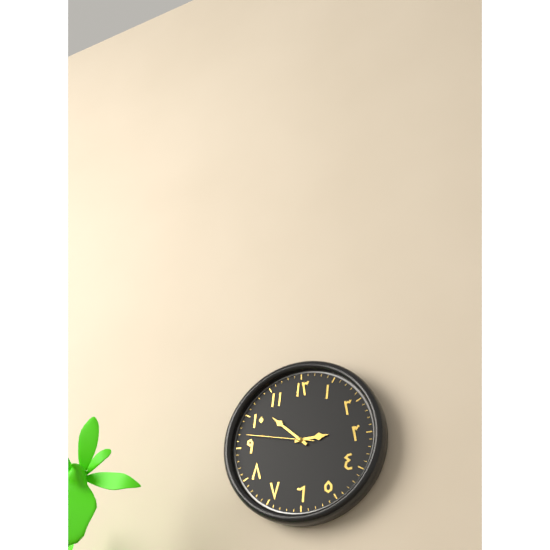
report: 2,52,47
